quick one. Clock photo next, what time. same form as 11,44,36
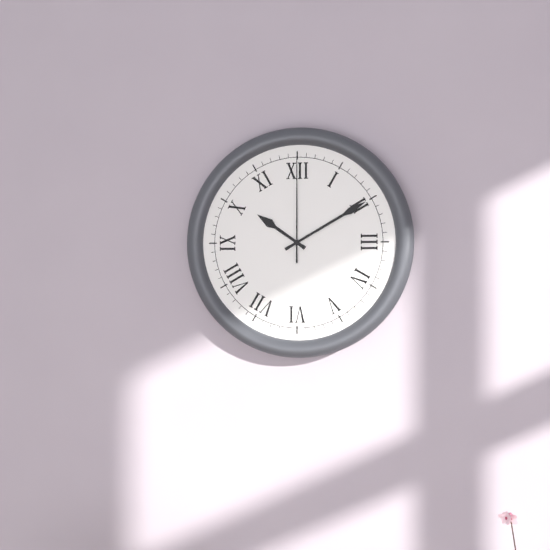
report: 10,10,00
